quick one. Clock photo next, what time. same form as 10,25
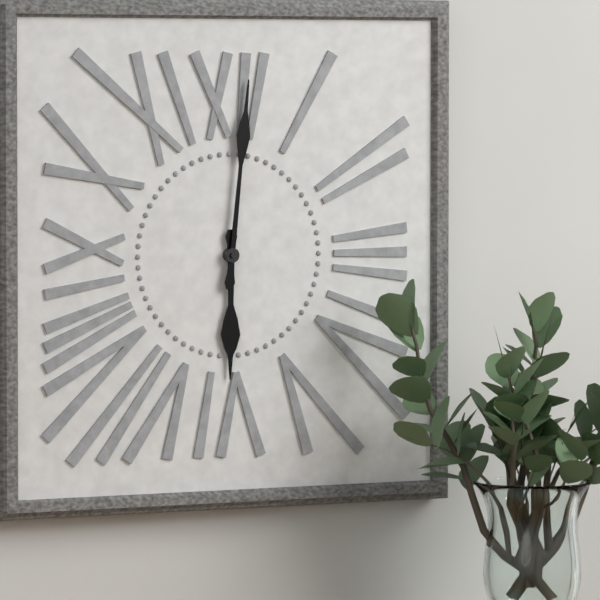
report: 6,01
